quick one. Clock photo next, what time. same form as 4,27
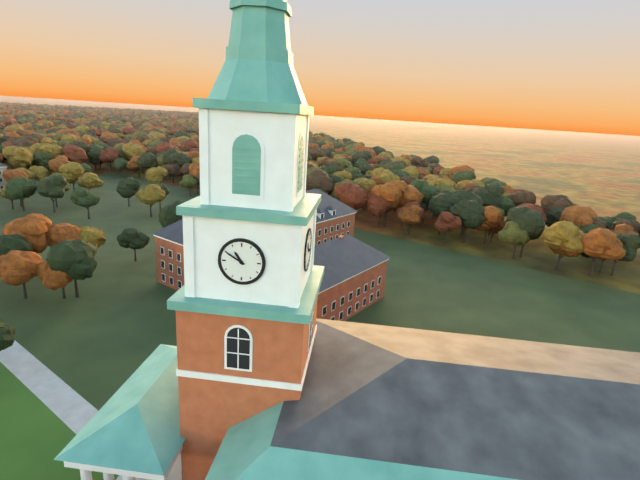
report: 10,50
